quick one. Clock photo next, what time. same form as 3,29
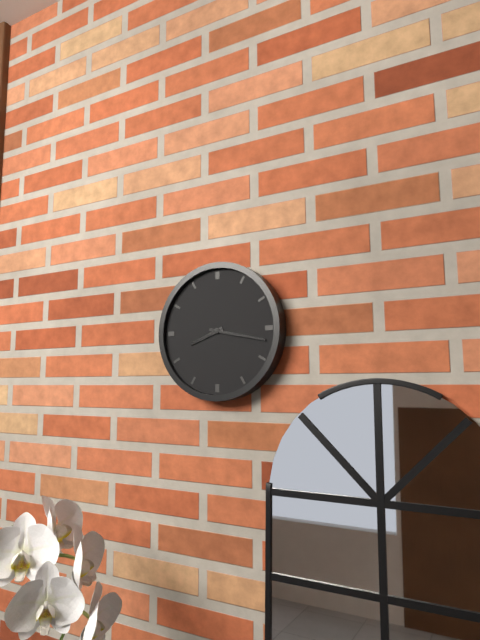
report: 8,17
